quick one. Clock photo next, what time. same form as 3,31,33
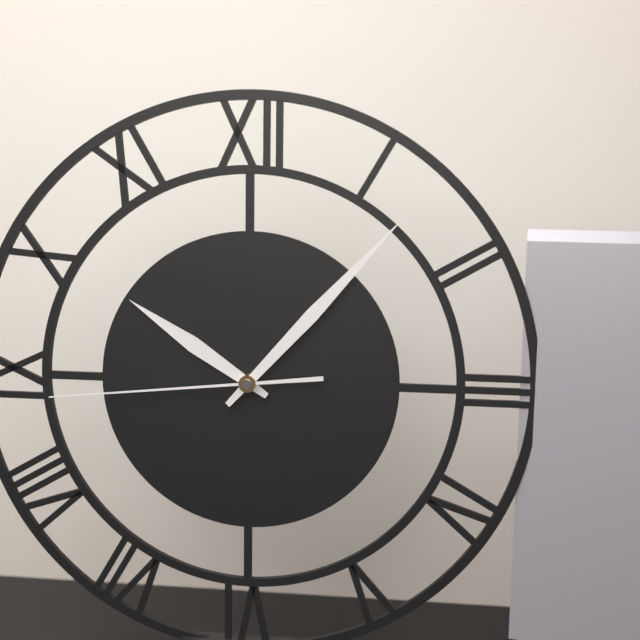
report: 10,07,44
